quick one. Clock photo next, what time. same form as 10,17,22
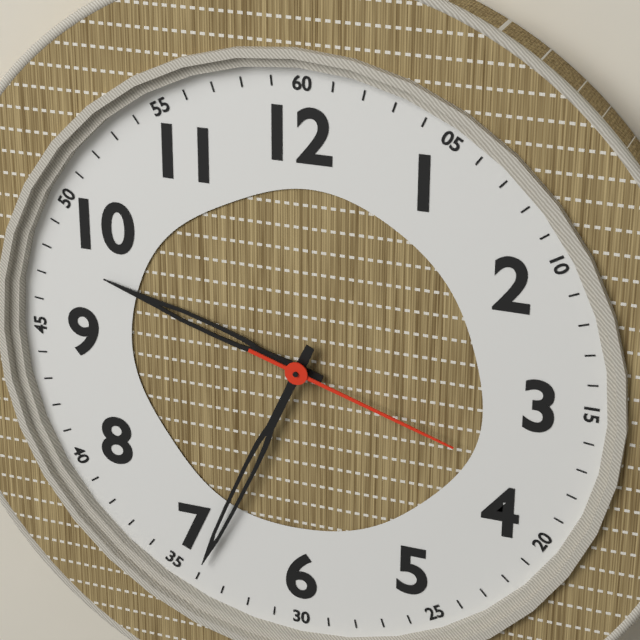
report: 9,34,18
